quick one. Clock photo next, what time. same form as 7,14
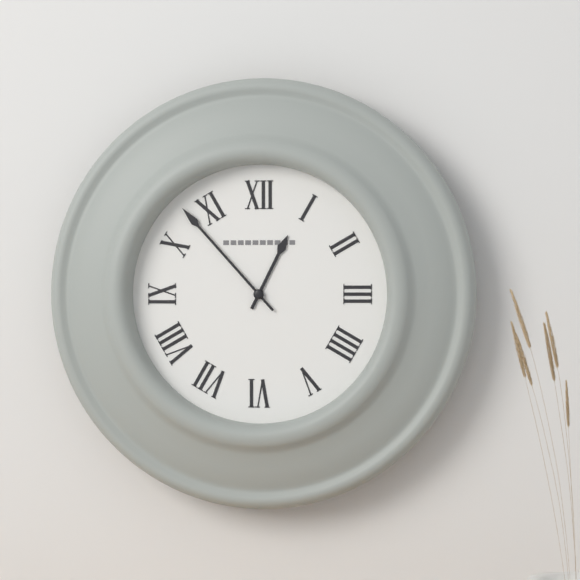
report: 12,53
